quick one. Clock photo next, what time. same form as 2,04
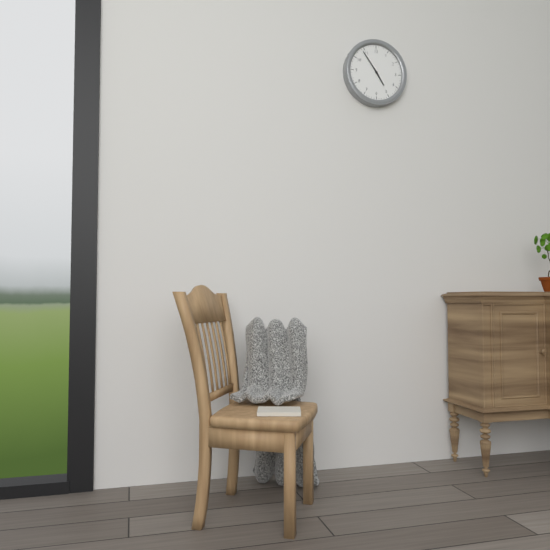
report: 4,54
